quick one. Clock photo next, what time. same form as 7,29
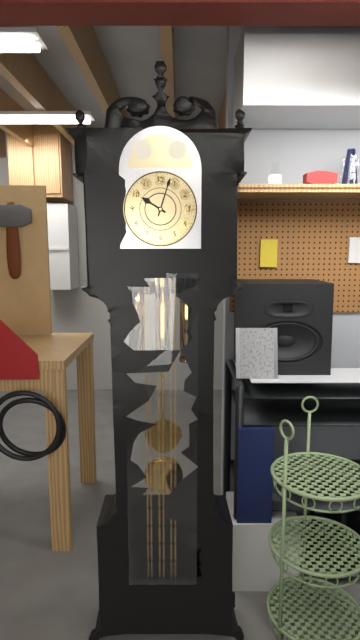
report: 10,03
